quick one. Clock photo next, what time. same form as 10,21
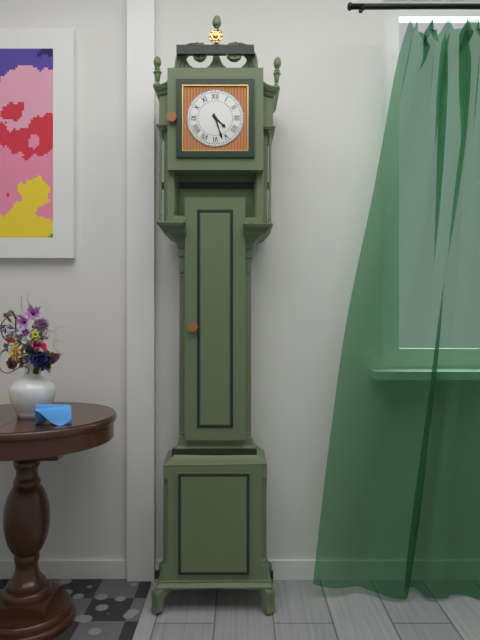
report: 4,27
